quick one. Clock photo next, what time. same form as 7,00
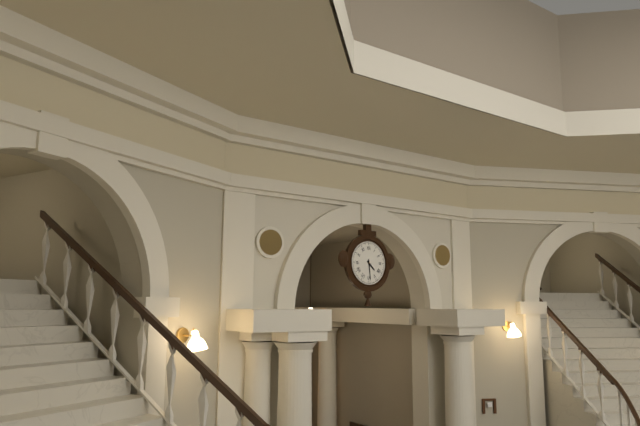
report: 4,29
